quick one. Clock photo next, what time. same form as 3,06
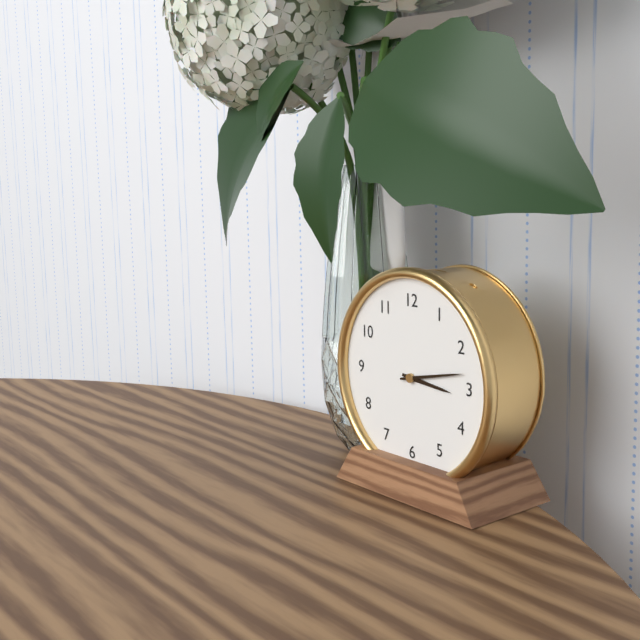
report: 3,13
